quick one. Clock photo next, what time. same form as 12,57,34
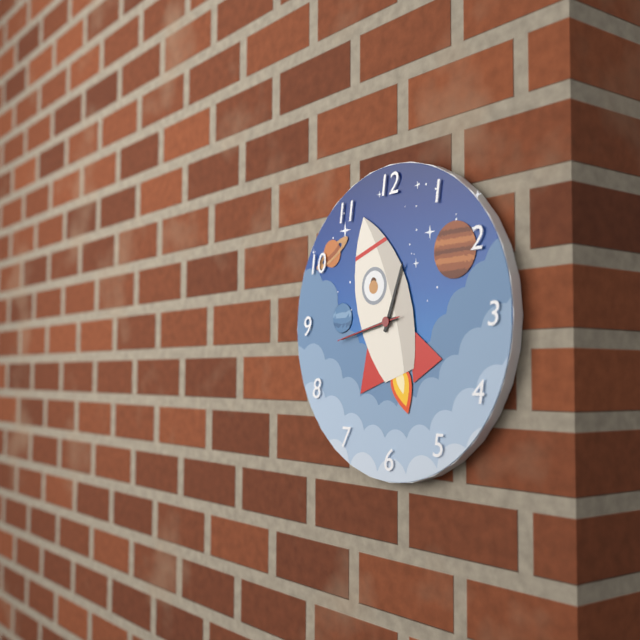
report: 12,43,43
